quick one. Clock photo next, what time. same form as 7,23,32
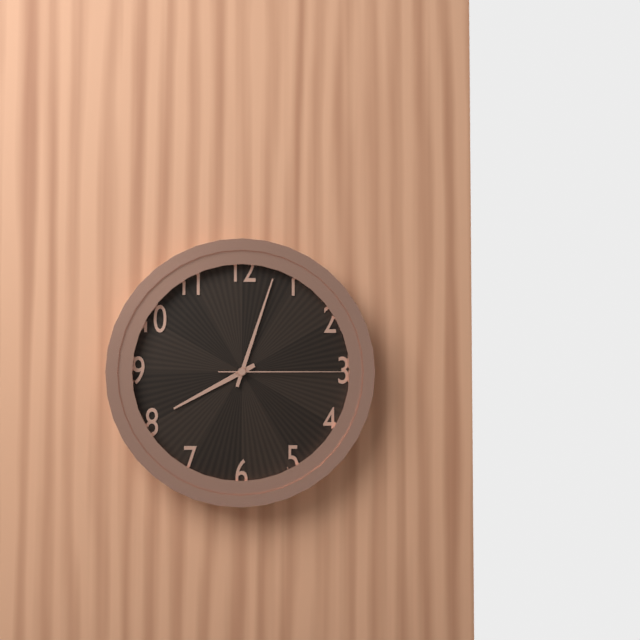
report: 8,03,15
